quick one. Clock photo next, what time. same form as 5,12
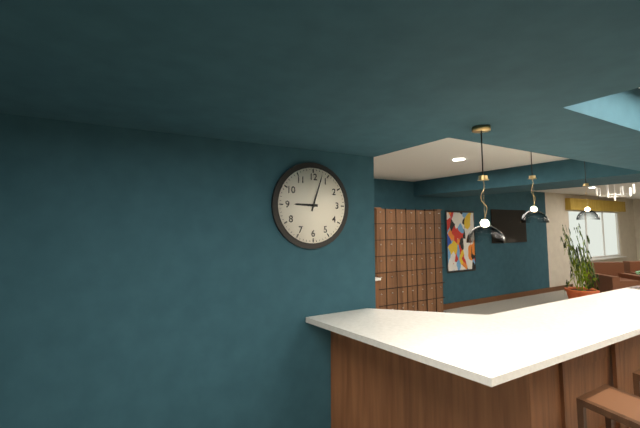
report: 9,03
